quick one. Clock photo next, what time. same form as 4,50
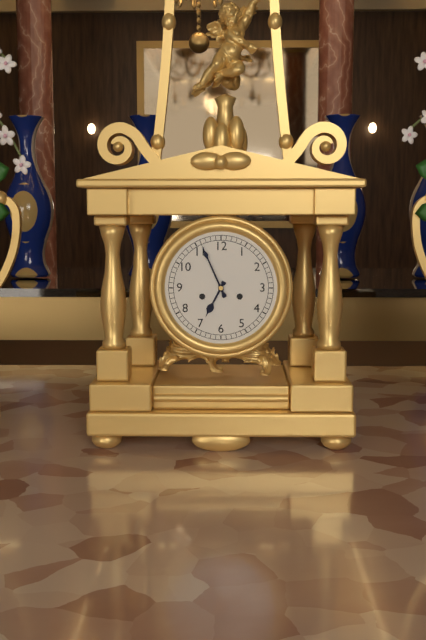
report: 6,56
